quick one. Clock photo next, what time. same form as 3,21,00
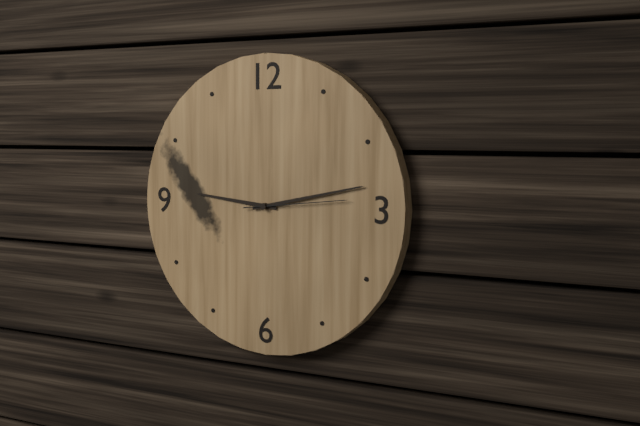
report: 9,13,14
